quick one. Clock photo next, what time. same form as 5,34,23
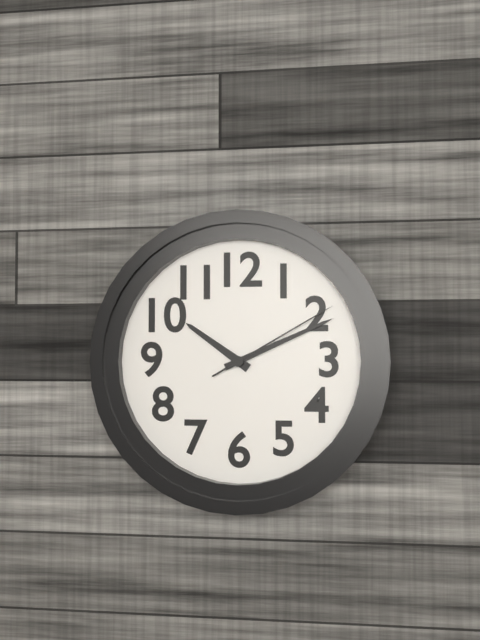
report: 10,11,10
